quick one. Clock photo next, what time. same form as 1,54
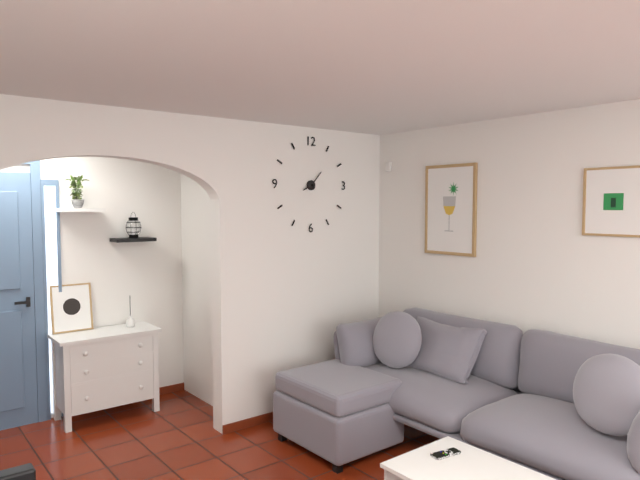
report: 8,07
